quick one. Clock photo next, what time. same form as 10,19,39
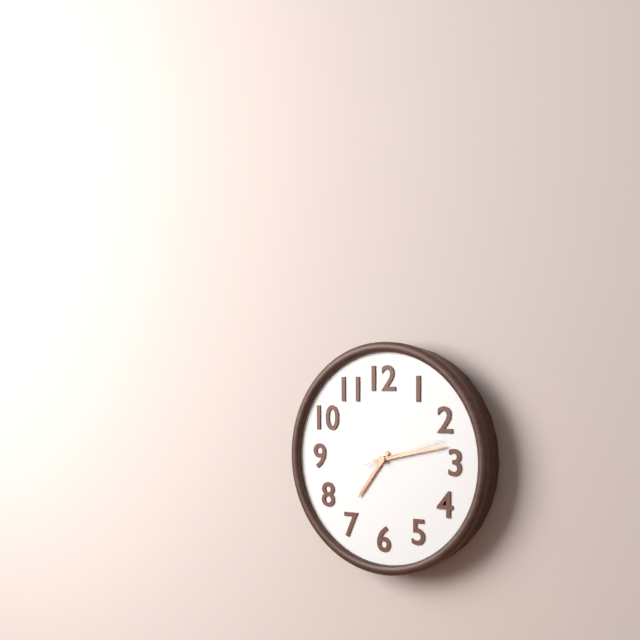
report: 7,13,12
